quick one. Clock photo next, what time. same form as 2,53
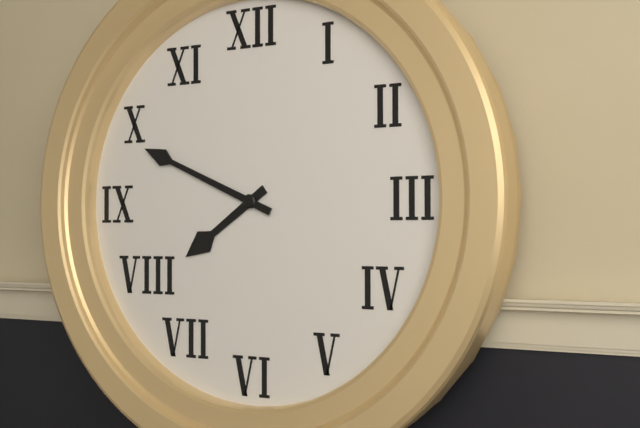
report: 7,49
